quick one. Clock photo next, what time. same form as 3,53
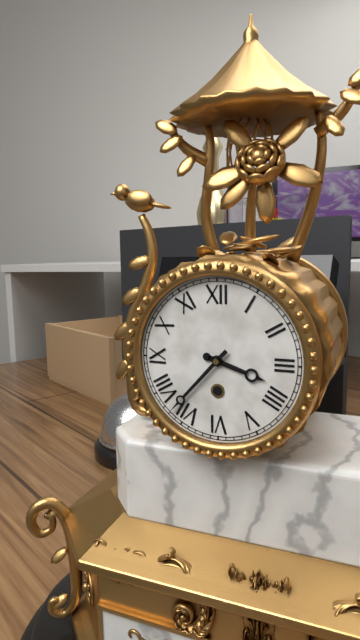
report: 3,37
